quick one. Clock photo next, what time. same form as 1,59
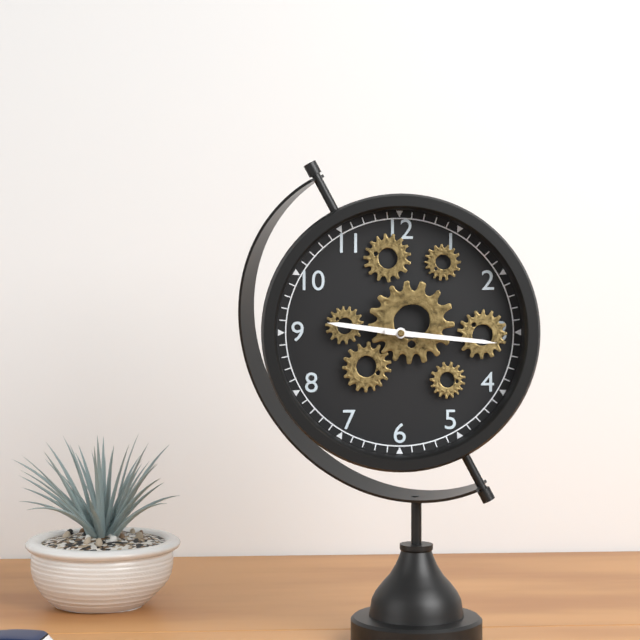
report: 9,16
